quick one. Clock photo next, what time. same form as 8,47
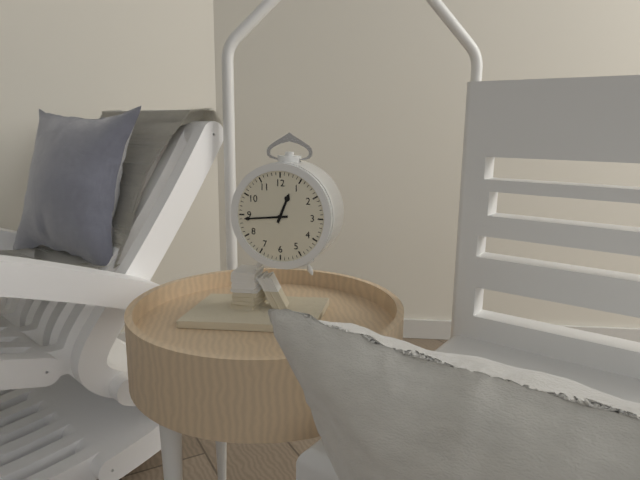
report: 12,44
